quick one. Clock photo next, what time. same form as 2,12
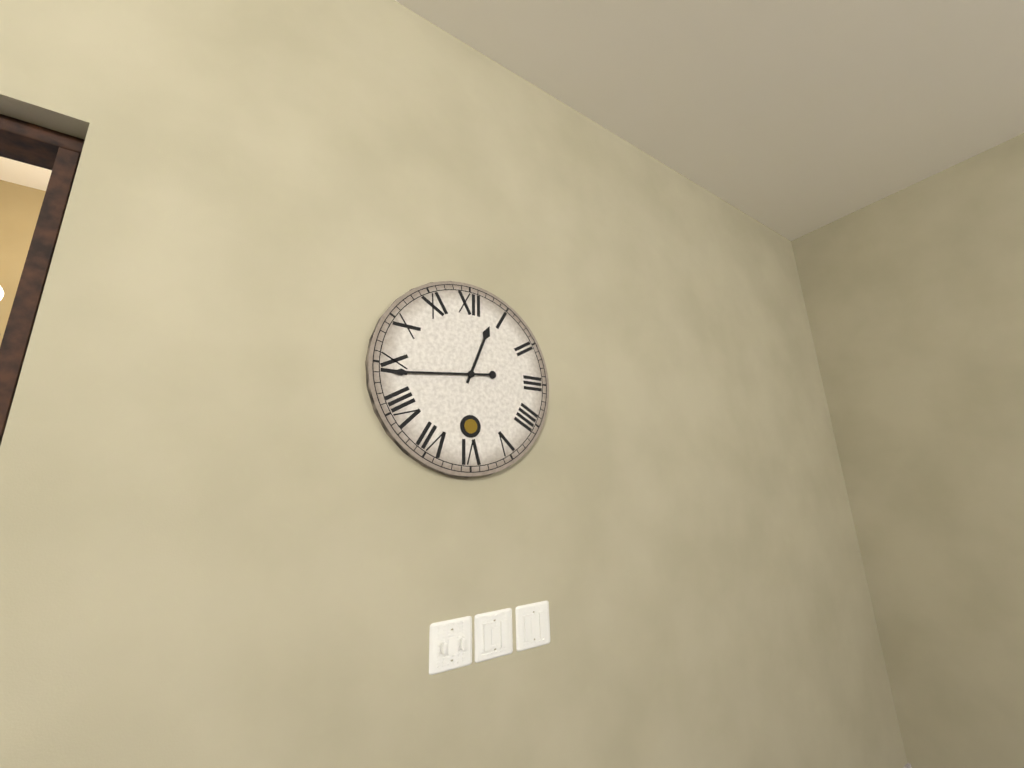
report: 12,44
